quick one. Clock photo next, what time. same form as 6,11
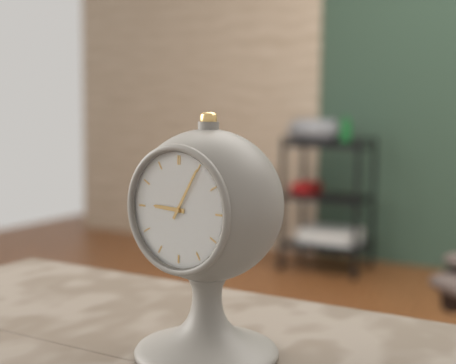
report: 9,05
